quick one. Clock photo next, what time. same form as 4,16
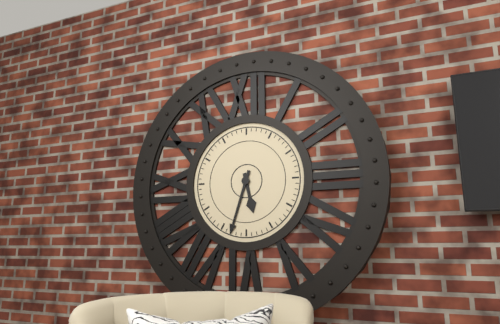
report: 5,33
